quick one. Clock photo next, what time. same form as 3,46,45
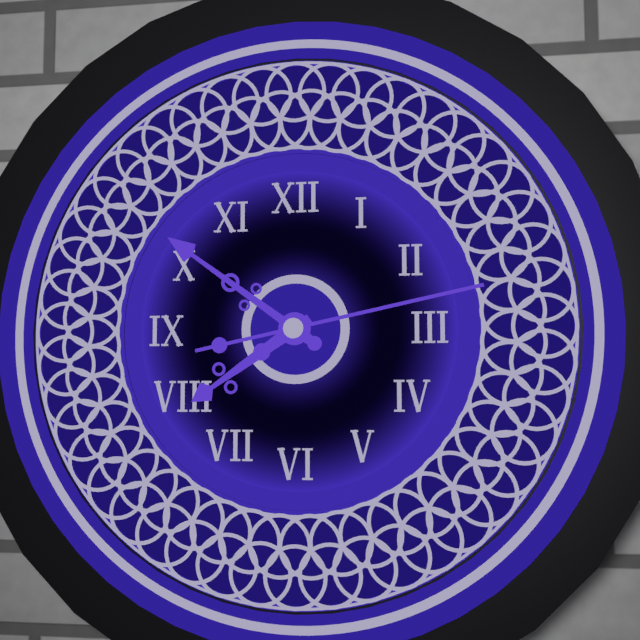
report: 7,51,13
